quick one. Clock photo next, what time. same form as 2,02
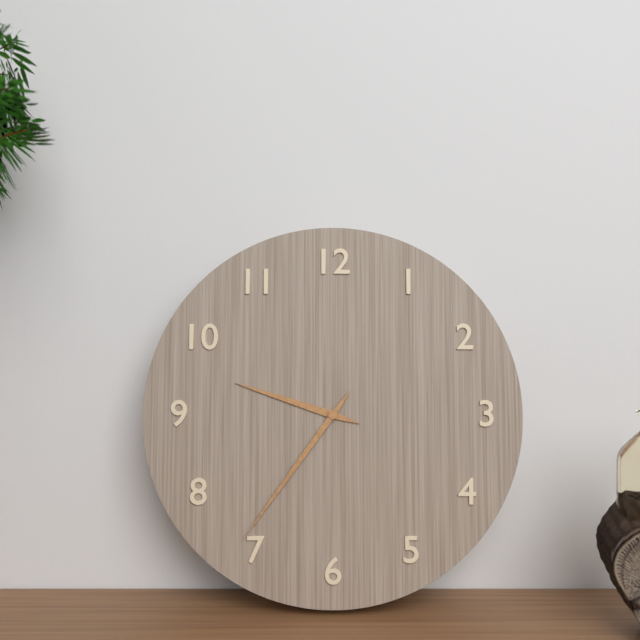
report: 9,36
